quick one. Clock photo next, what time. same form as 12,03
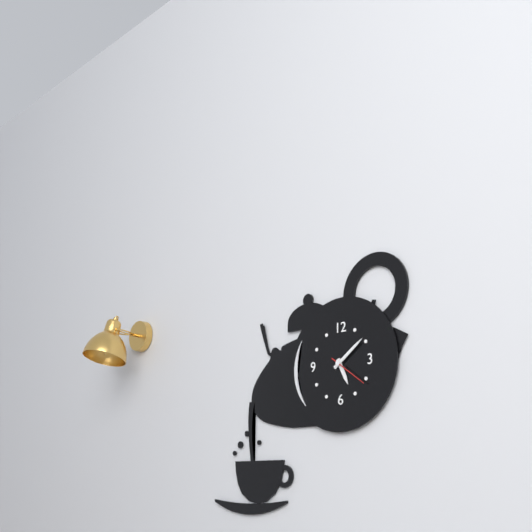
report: 5,09
